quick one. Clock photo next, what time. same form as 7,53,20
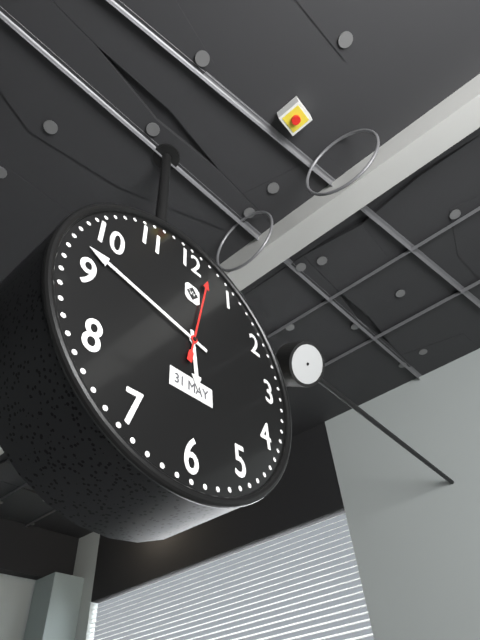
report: 5,47,02
